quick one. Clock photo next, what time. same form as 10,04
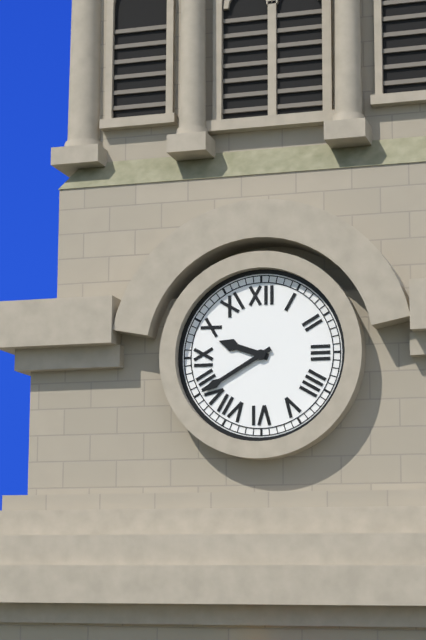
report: 9,40
